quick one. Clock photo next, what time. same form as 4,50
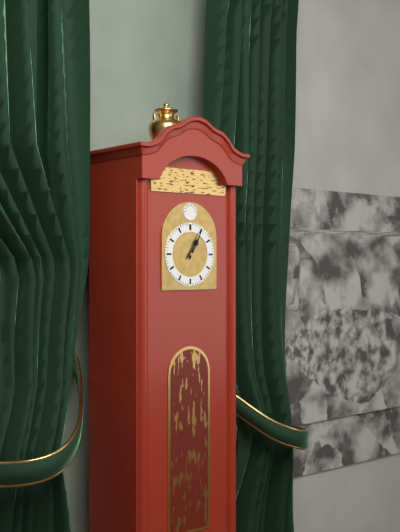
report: 1,05
